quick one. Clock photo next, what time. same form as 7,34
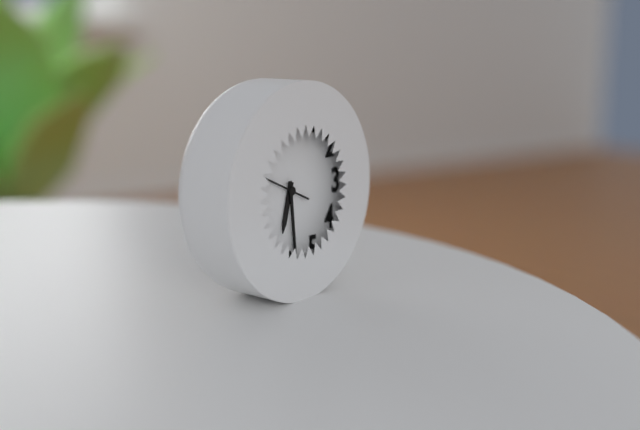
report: 6,29
